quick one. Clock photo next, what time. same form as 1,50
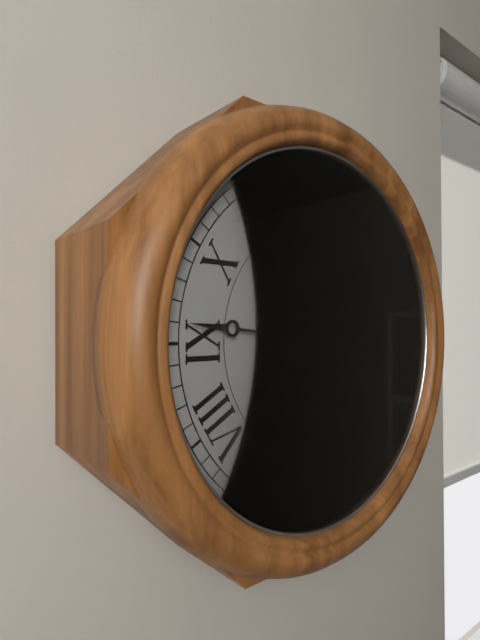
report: 11,46
